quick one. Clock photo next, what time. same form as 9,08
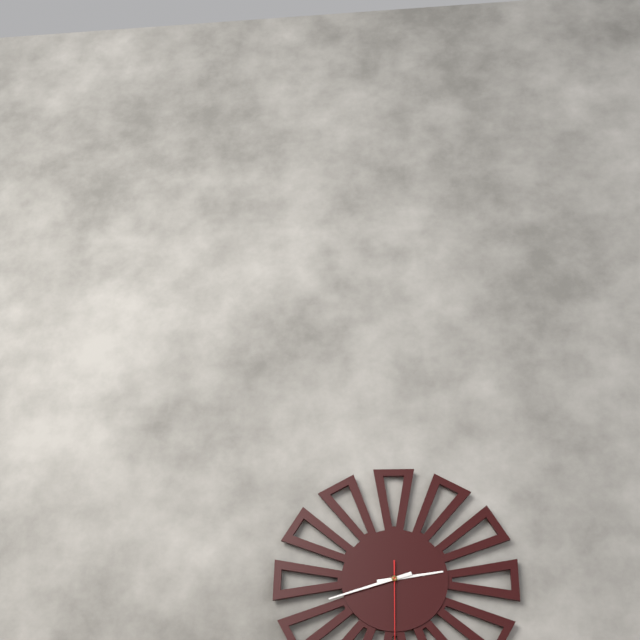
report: 2,42
